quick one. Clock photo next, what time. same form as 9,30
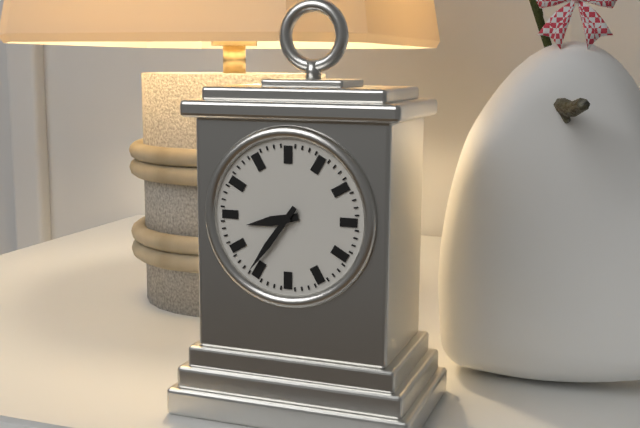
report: 8,36
